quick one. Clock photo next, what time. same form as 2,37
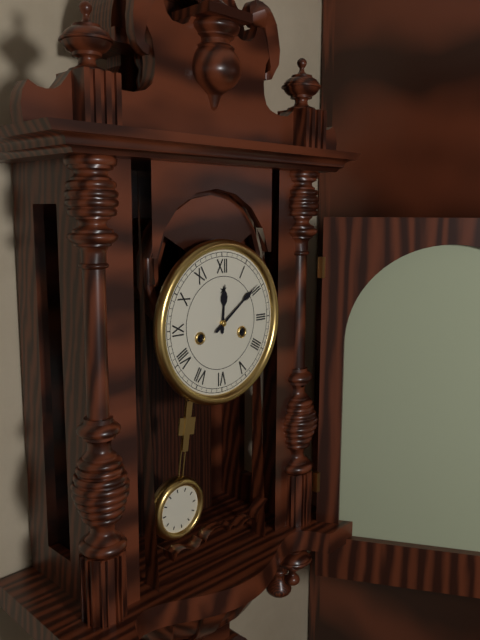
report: 12,09
